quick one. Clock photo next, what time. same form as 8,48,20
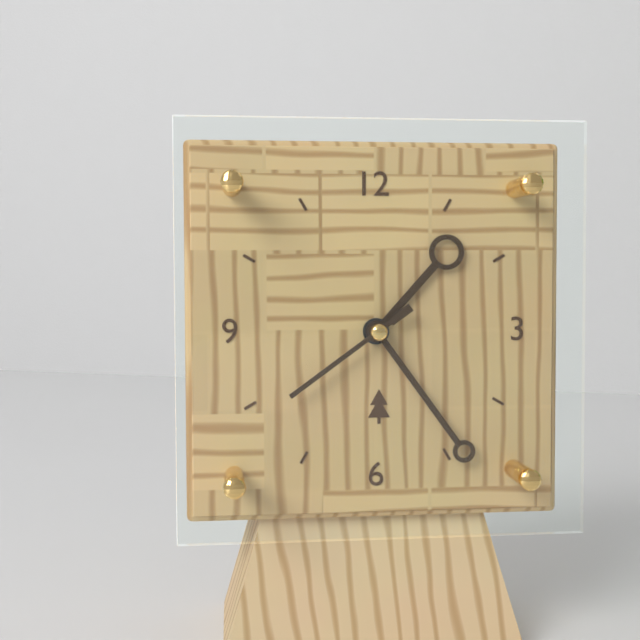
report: 1,24,39
